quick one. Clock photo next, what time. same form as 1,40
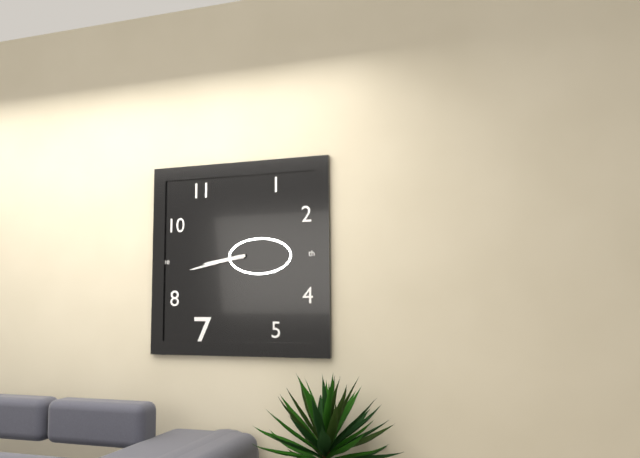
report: 8,43
